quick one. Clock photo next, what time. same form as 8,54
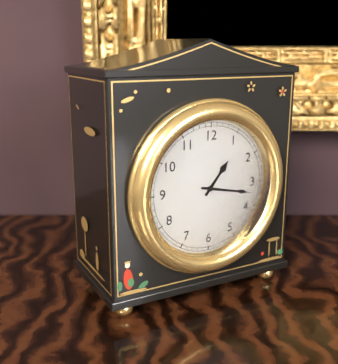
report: 1,17
